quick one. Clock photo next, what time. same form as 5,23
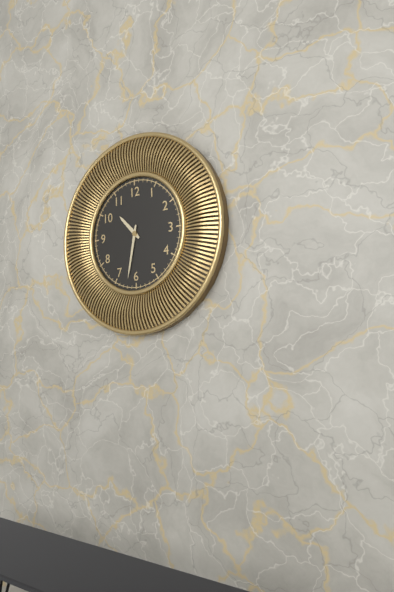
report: 10,32
